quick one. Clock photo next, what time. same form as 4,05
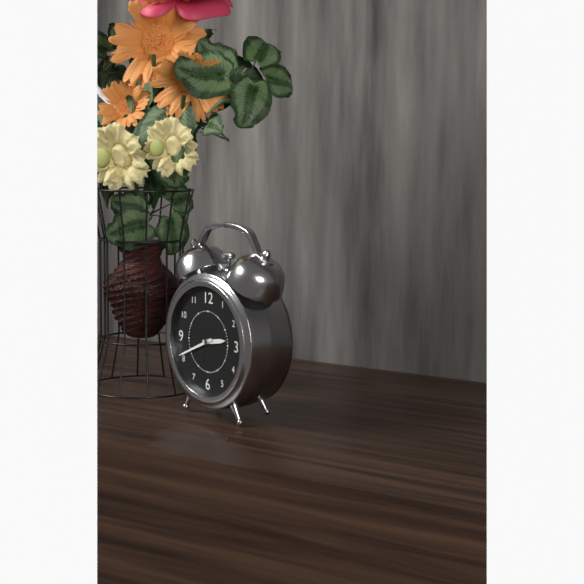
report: 2,41
